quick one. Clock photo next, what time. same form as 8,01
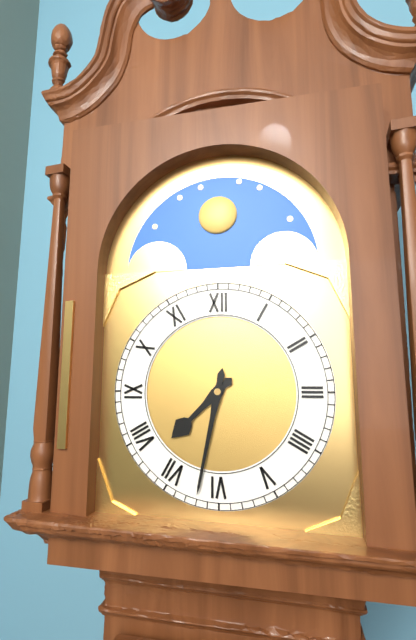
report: 7,32
